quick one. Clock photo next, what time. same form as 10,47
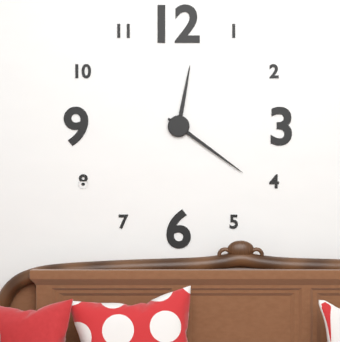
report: 12,21
